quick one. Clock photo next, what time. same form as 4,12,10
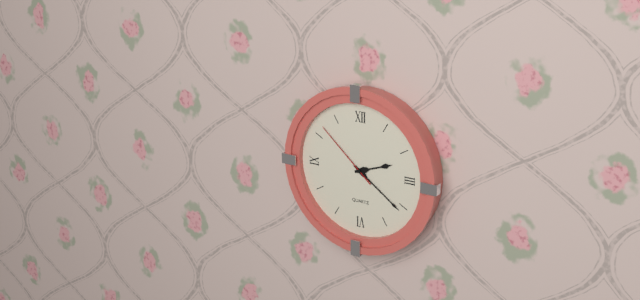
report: 2,21,52
